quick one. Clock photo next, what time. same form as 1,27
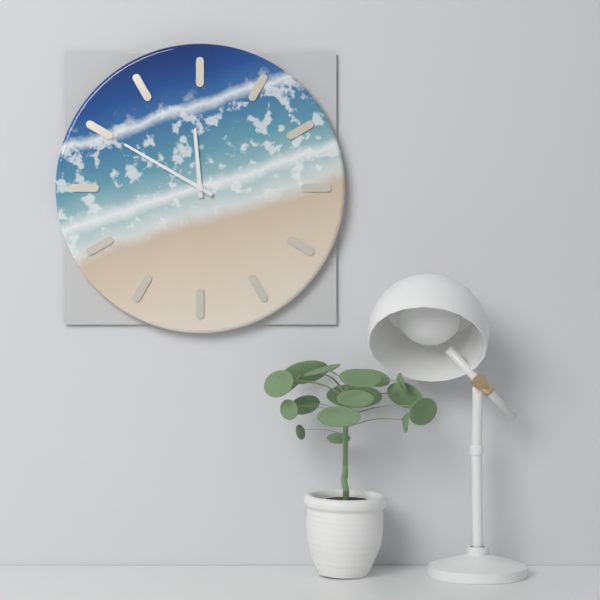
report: 11,50
